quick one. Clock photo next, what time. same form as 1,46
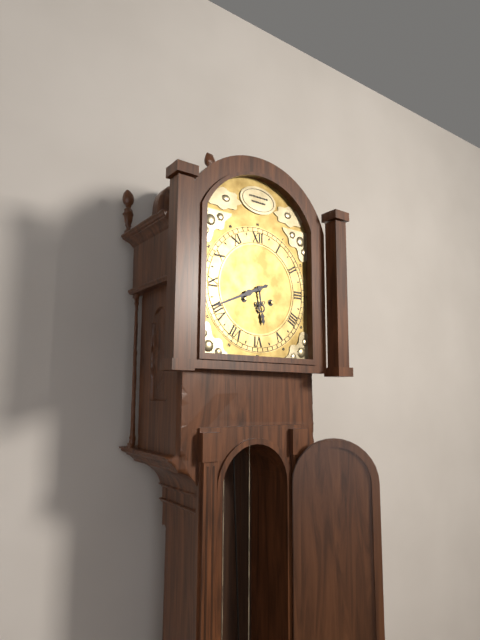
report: 5,41
